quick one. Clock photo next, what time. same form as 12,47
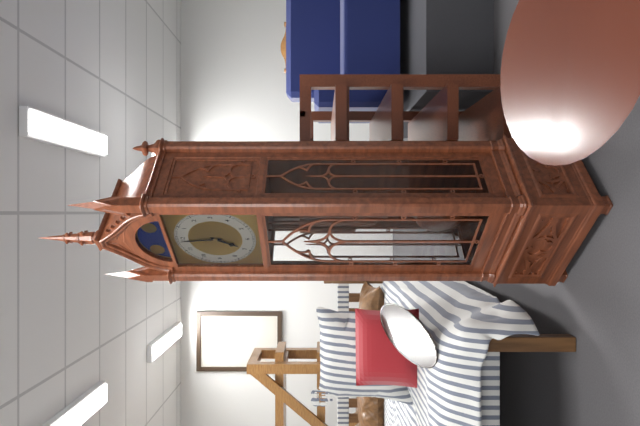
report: 6,59
